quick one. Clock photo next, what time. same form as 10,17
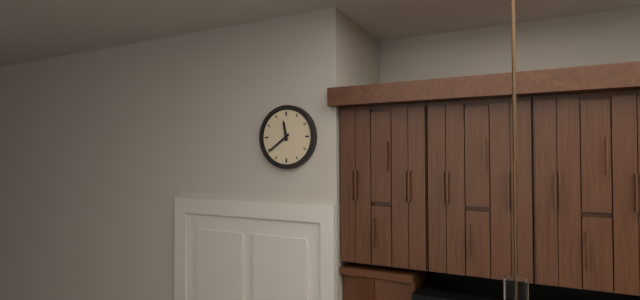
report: 11,39
